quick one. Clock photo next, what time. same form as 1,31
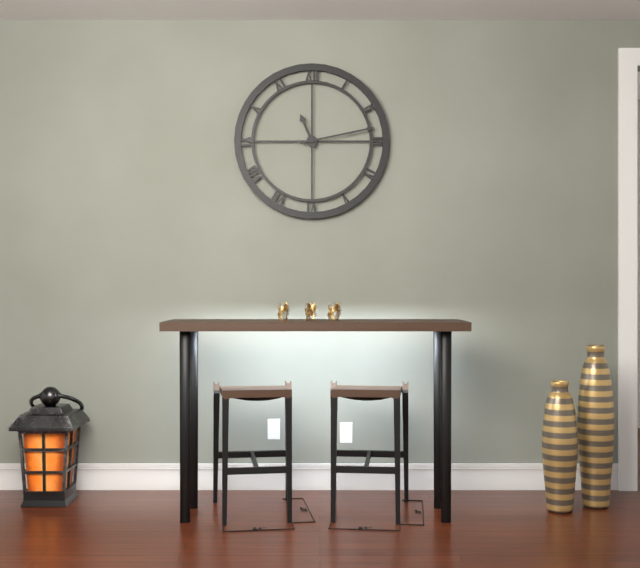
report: 11,13
